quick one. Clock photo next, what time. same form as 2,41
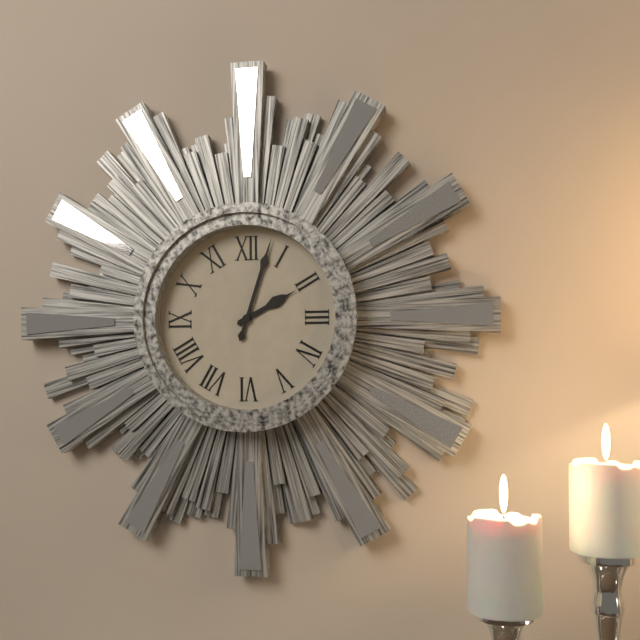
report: 2,03
